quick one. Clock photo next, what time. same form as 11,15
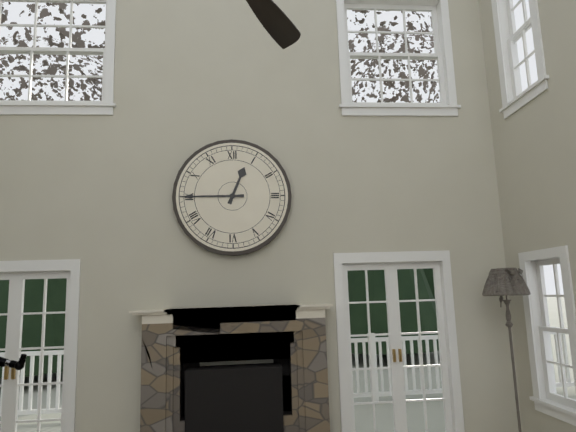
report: 12,45
